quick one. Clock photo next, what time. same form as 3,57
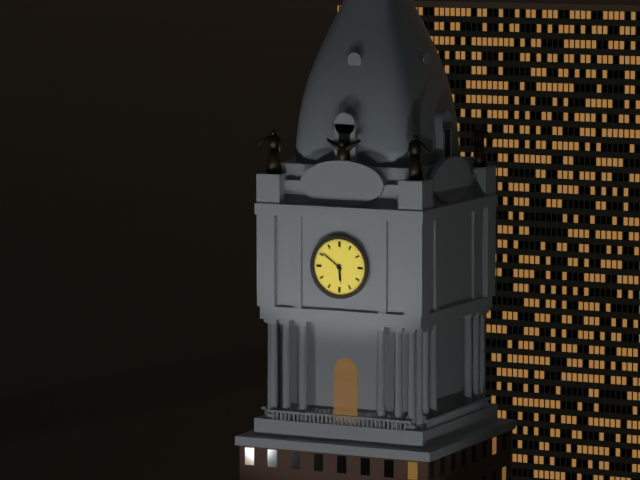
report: 5,51
